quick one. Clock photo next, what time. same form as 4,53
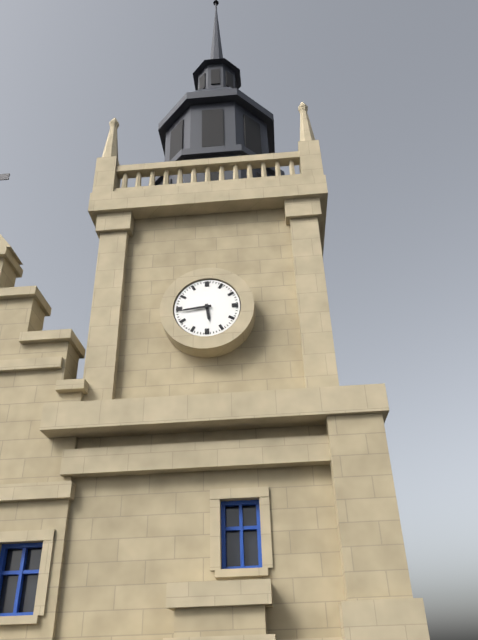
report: 5,44
